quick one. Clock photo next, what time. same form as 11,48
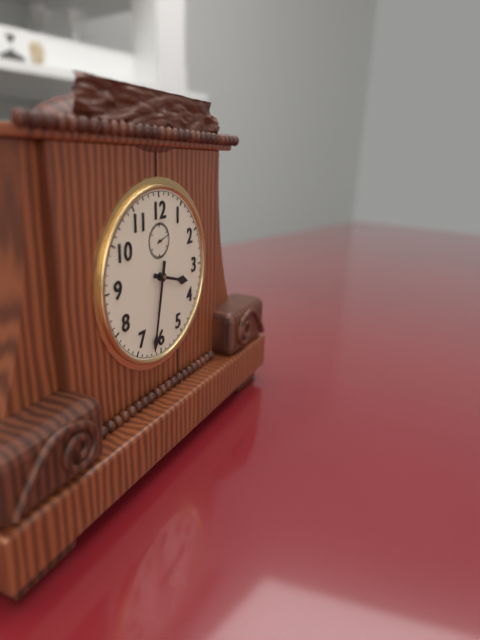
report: 3,32
